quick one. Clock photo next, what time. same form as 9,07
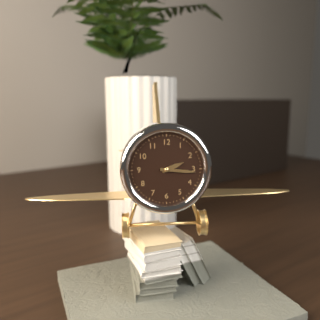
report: 2,16
